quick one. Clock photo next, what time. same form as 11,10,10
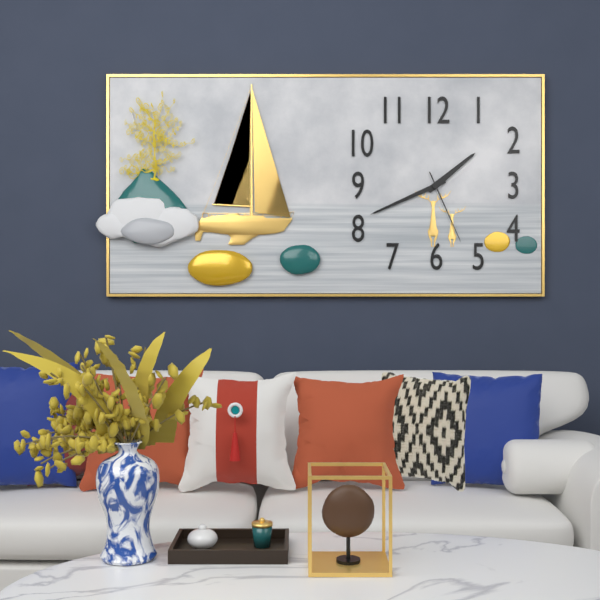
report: 1,41,26
